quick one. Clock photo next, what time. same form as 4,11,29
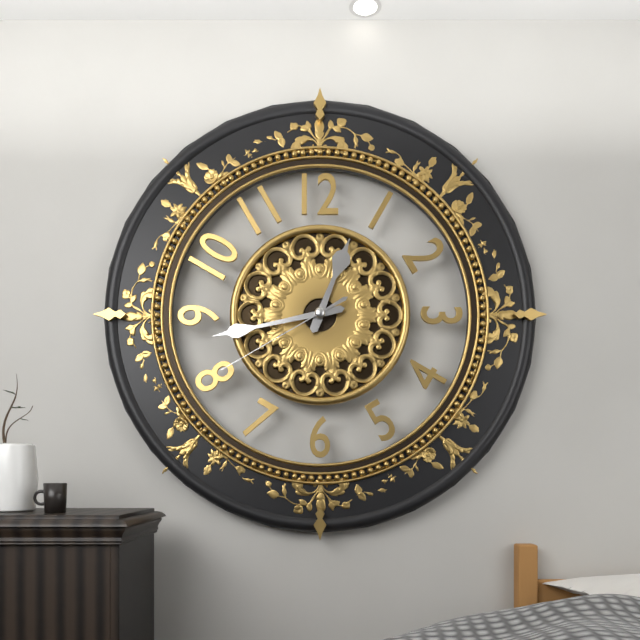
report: 12,43,40
